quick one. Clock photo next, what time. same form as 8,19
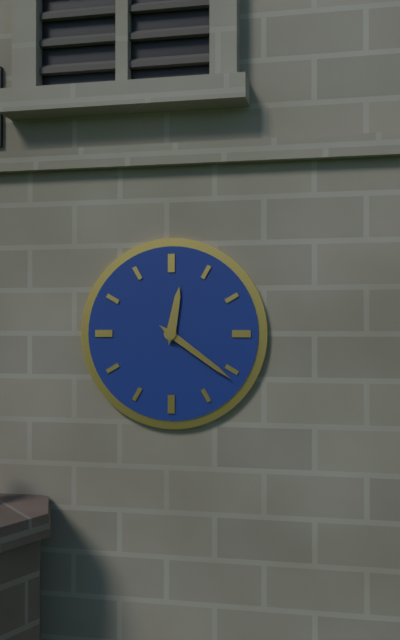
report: 12,21
